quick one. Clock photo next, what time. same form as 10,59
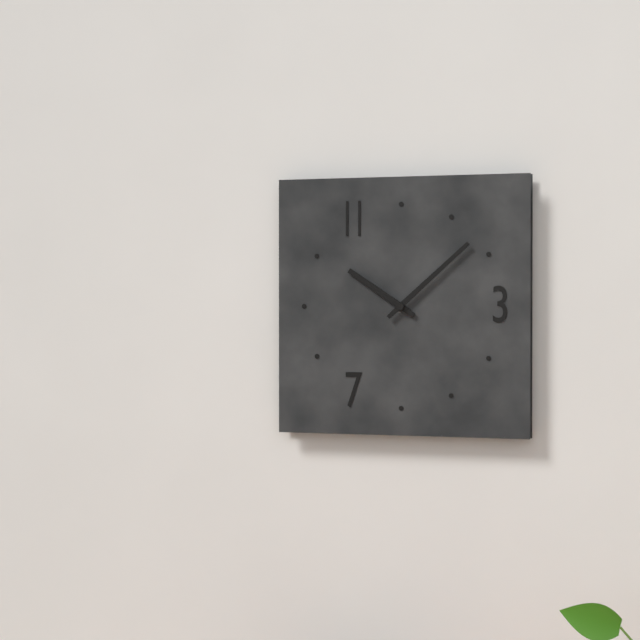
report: 10,08
